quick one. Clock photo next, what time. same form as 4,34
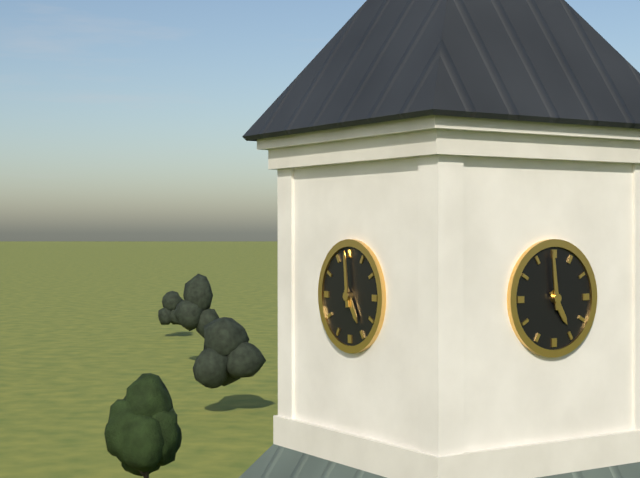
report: 4,59
